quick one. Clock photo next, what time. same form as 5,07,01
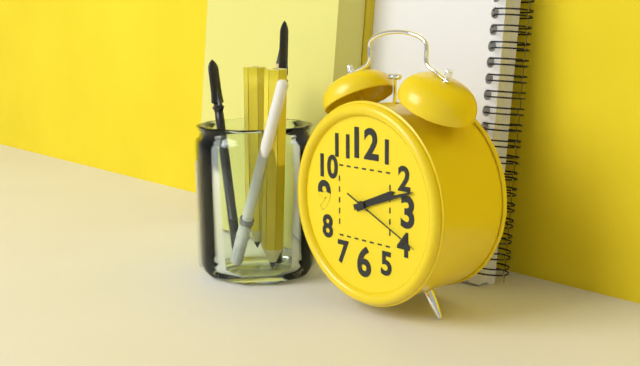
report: 2,12,19
